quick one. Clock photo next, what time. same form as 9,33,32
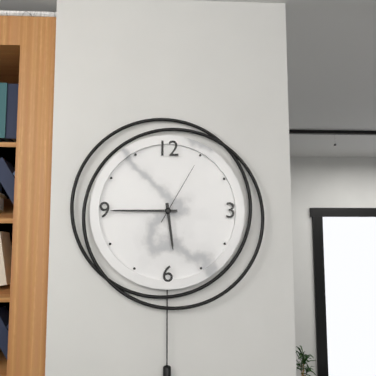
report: 5,45,05
